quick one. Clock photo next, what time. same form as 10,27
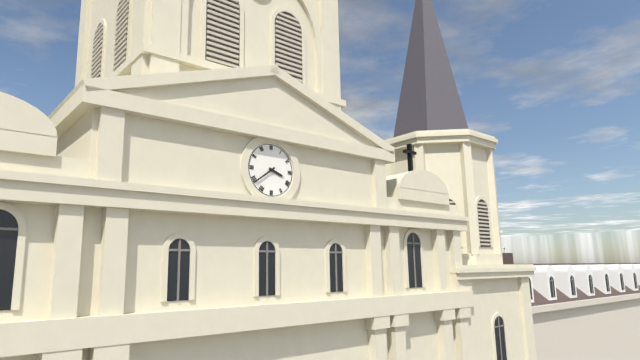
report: 3,39
